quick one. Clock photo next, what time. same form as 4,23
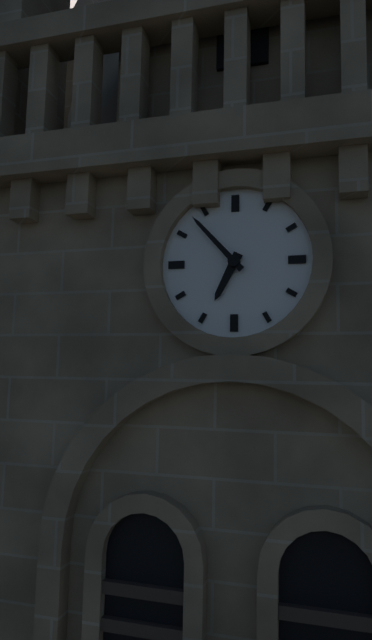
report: 6,53
